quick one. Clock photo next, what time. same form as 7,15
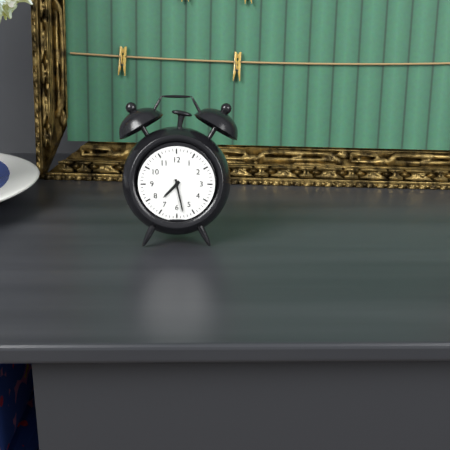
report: 7,28
